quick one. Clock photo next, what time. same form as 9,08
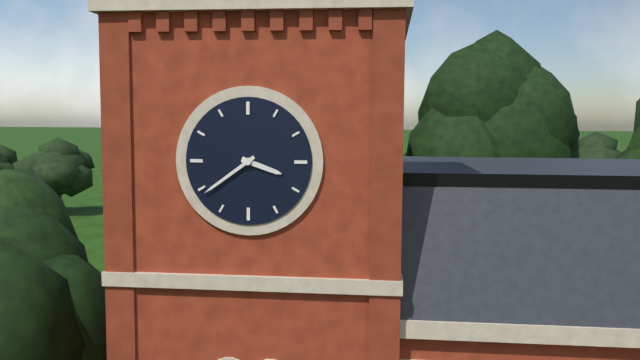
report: 3,39
